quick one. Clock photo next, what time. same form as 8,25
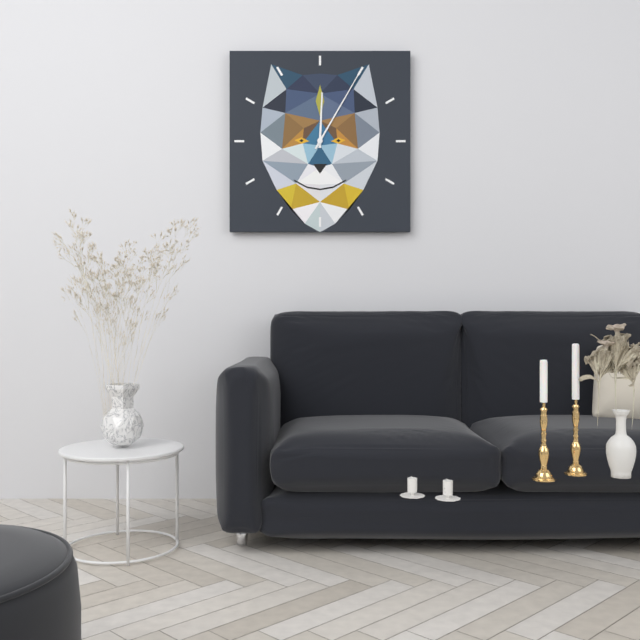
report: 12,05
